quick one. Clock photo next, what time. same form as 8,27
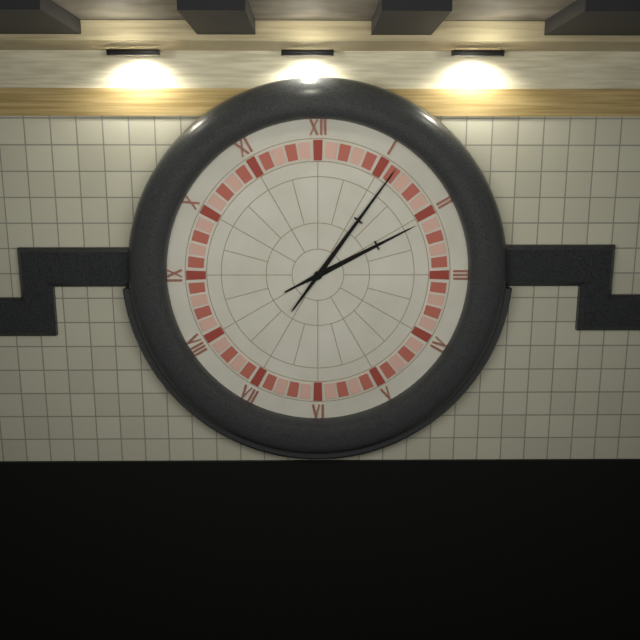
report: 2,06
